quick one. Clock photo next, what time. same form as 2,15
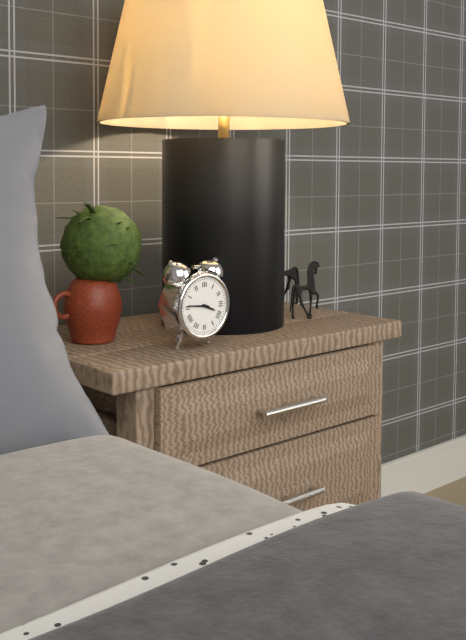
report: 3,46
